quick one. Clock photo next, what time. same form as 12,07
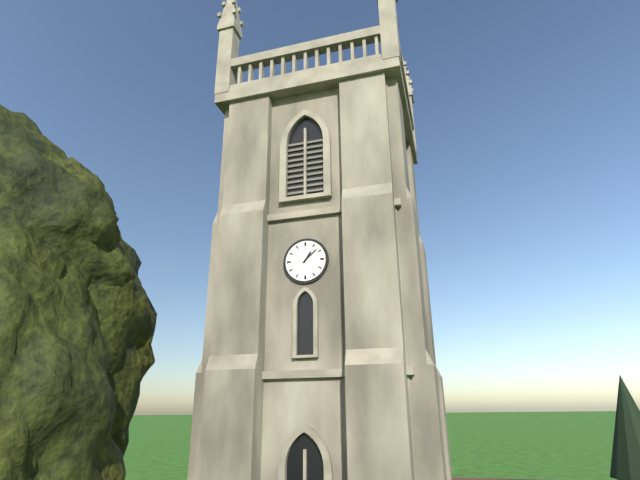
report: 1,08
